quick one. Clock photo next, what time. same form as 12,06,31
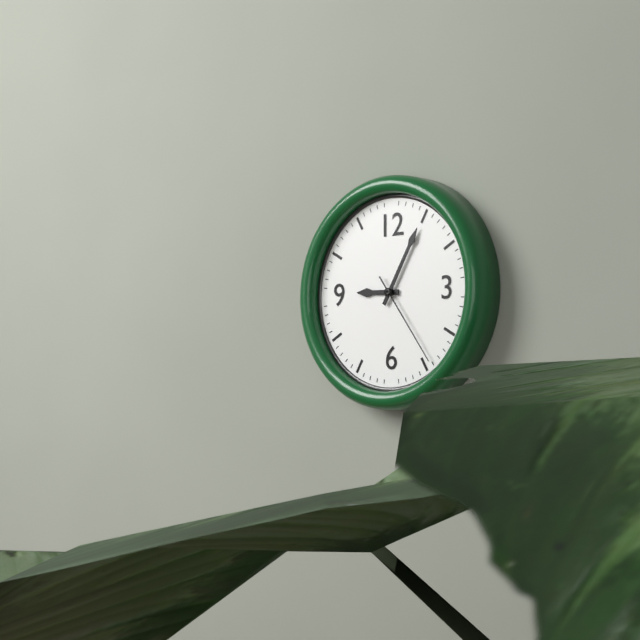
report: 9,05,24
